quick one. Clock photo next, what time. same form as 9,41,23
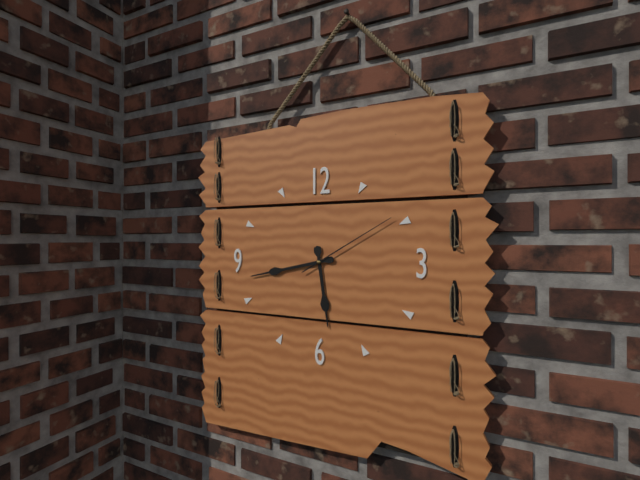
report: 5,43,10
